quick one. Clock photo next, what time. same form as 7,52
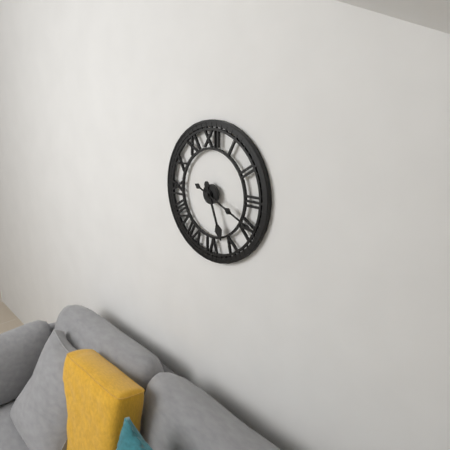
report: 5,19
